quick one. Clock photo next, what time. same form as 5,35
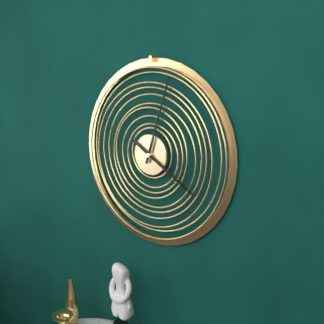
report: 4,03
